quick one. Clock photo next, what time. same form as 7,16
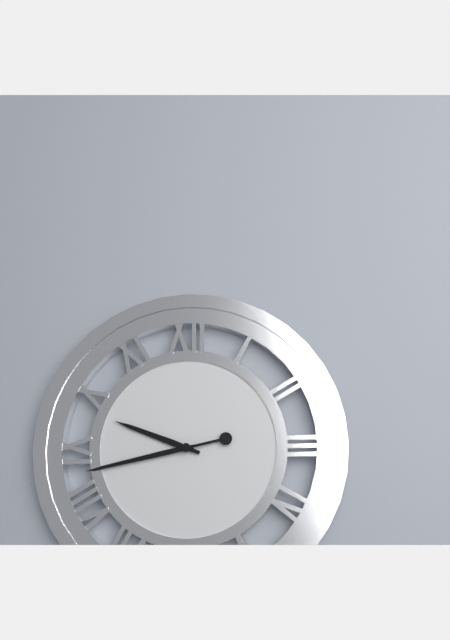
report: 9,43
